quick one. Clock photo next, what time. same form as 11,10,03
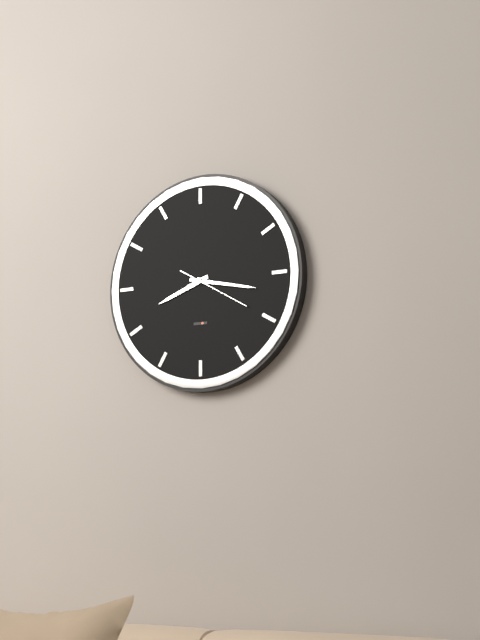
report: 8,17,20
